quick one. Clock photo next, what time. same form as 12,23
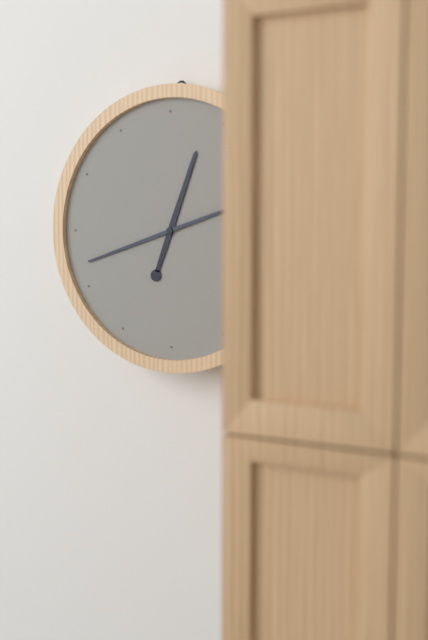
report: 12,42
